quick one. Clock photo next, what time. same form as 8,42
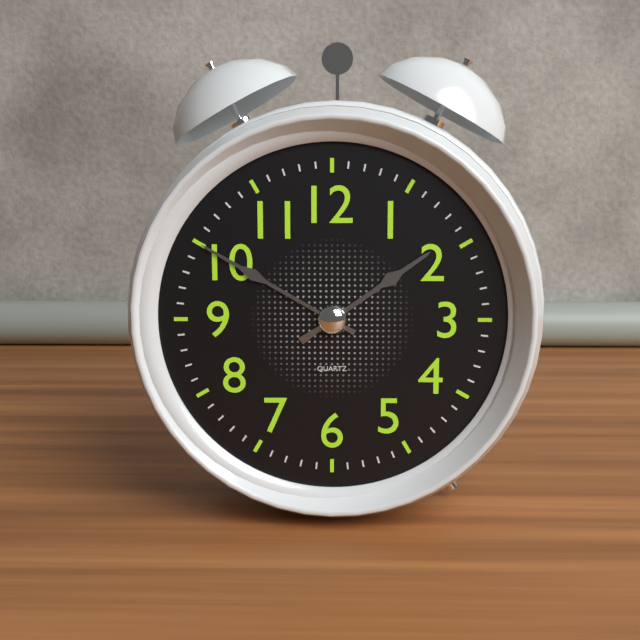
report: 1,50
